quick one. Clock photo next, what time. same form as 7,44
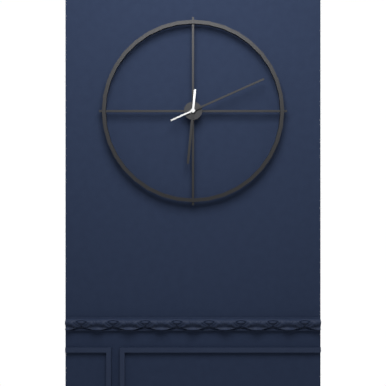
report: 6,11
